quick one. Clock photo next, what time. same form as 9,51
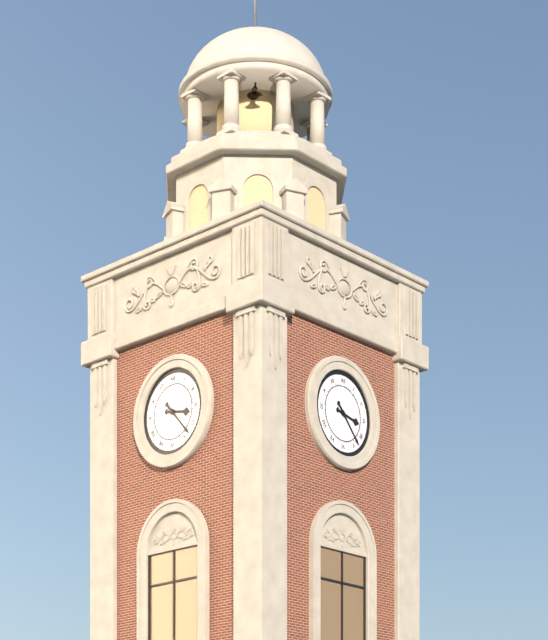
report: 3,23
